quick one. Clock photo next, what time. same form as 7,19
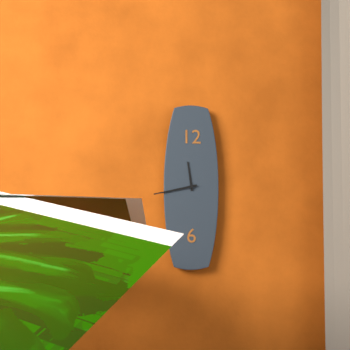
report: 11,43
